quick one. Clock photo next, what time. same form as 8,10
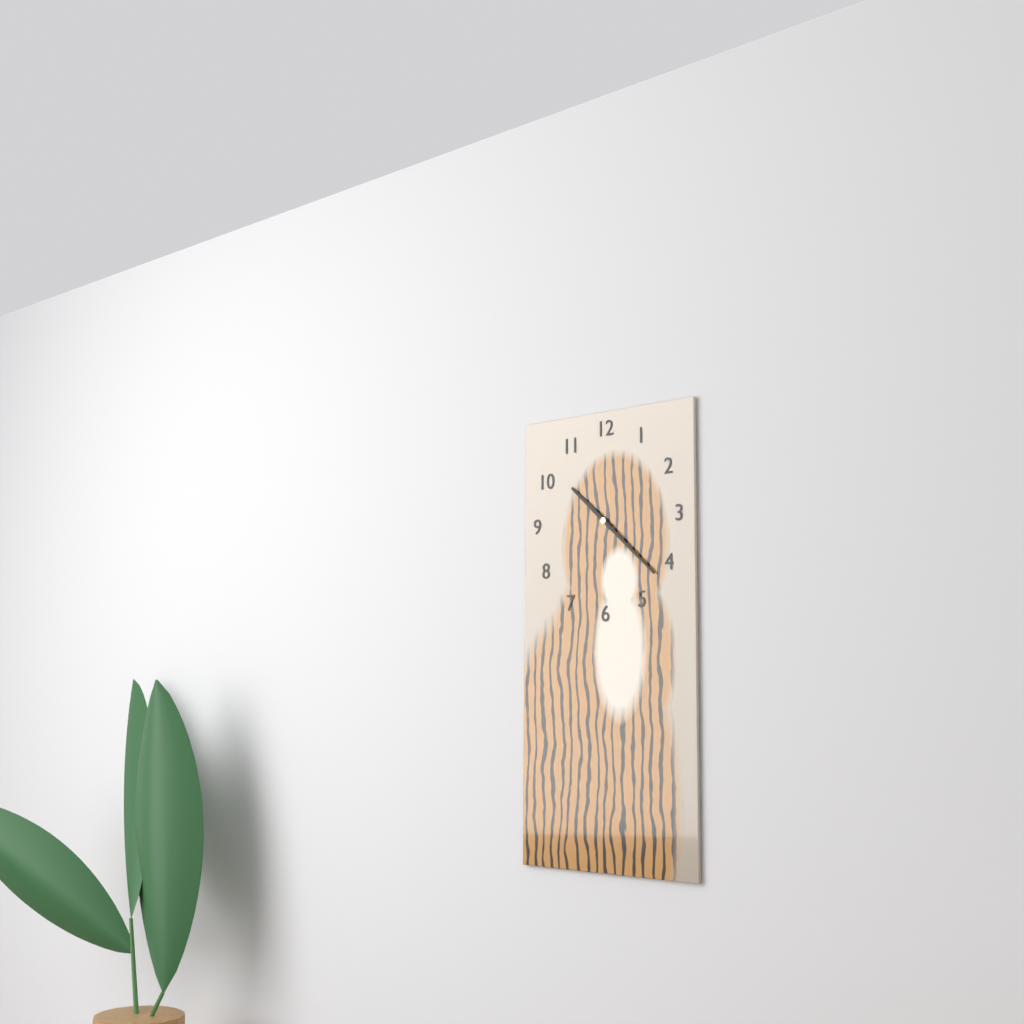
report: 10,22
